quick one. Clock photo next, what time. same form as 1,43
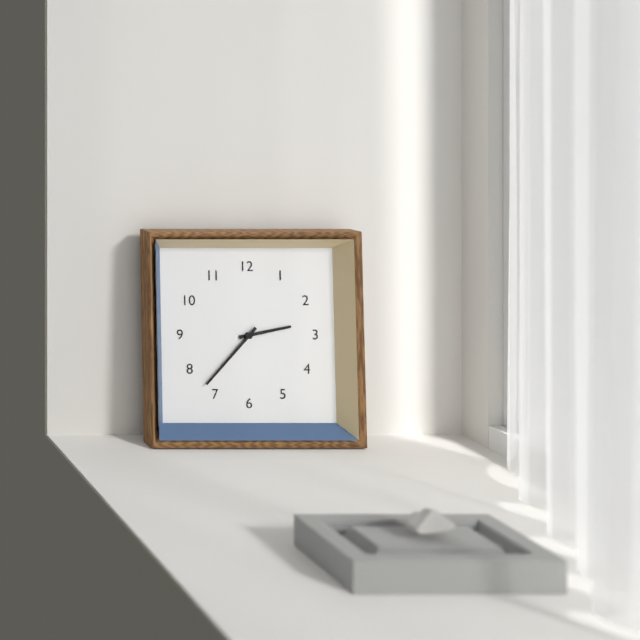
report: 2,37
